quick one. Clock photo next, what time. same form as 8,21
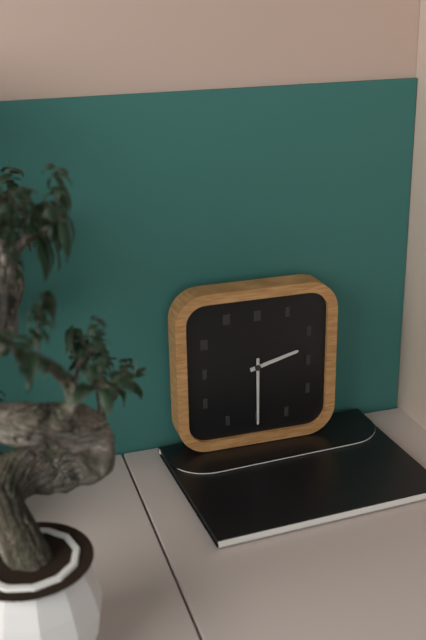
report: 2,30
